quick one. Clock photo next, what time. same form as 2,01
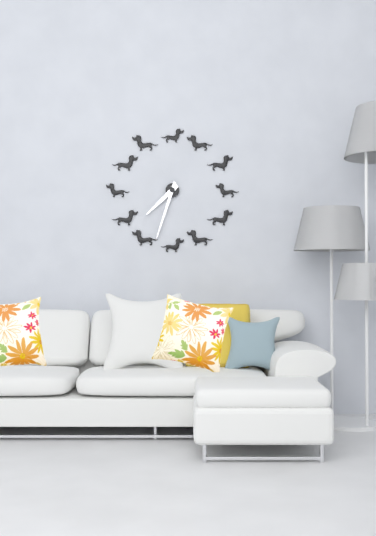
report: 7,33
